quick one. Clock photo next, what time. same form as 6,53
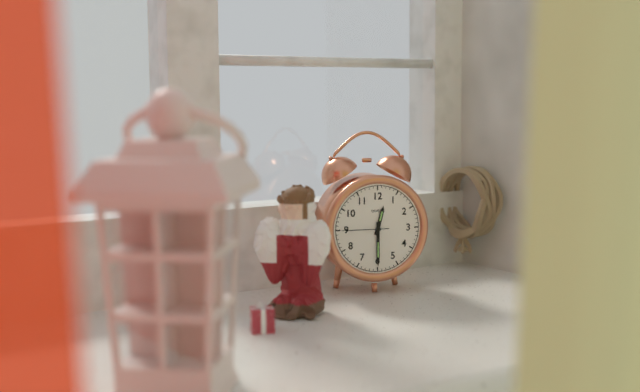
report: 12,30
